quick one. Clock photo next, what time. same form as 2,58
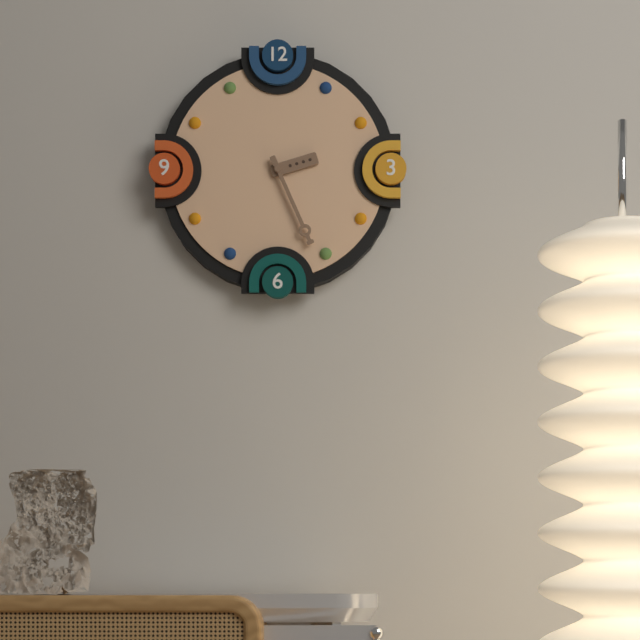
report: 2,26
